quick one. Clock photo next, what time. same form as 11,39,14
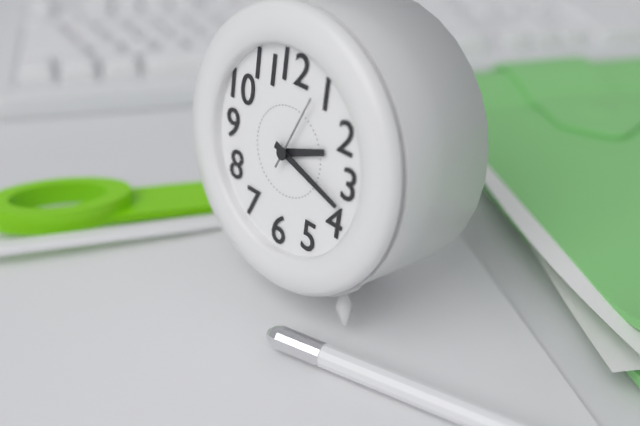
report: 2,18,04
